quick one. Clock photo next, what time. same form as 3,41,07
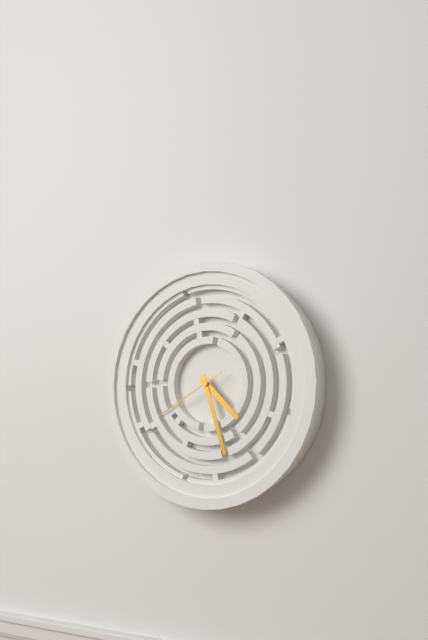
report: 4,27,40
